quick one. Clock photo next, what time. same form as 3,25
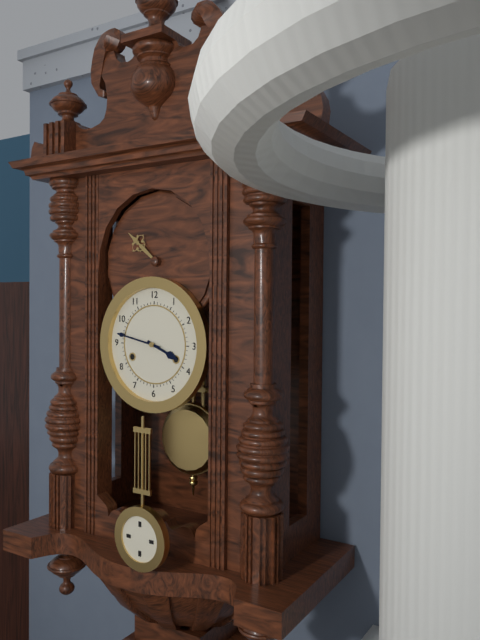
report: 3,47
